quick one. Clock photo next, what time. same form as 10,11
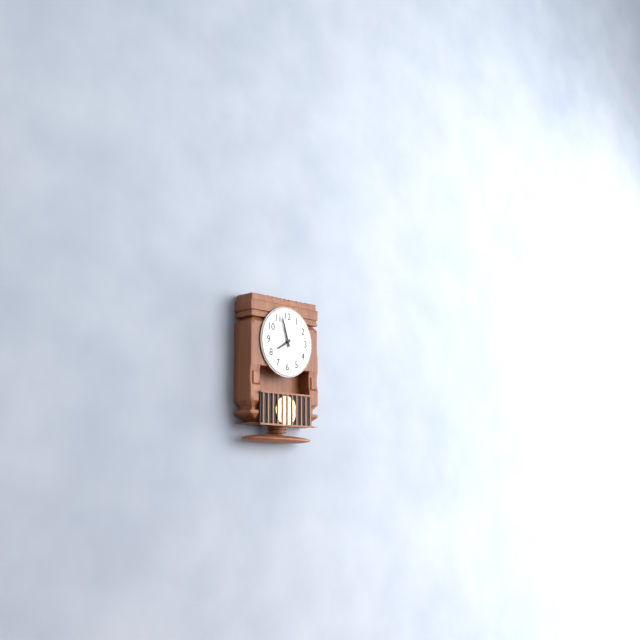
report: 7,57
